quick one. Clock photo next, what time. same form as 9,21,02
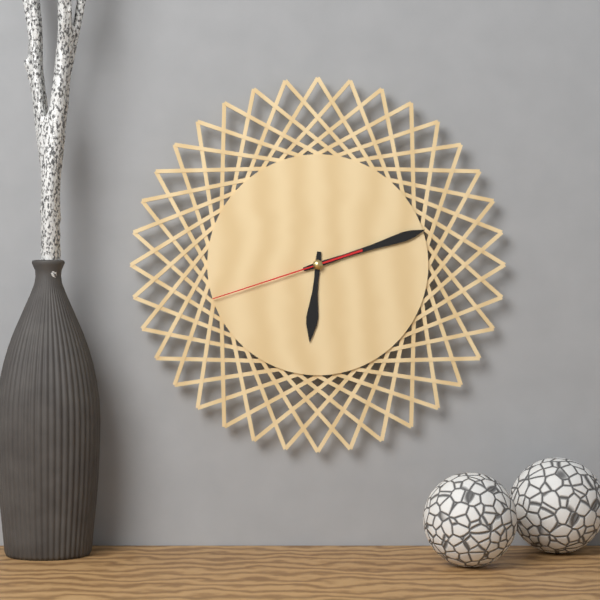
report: 6,12,42
